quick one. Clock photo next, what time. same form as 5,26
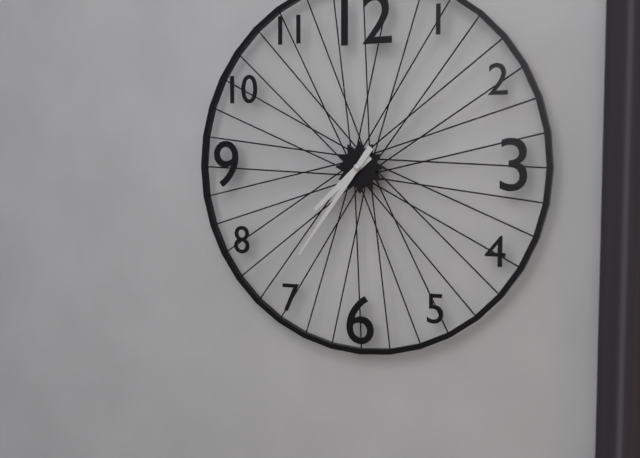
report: 7,36
